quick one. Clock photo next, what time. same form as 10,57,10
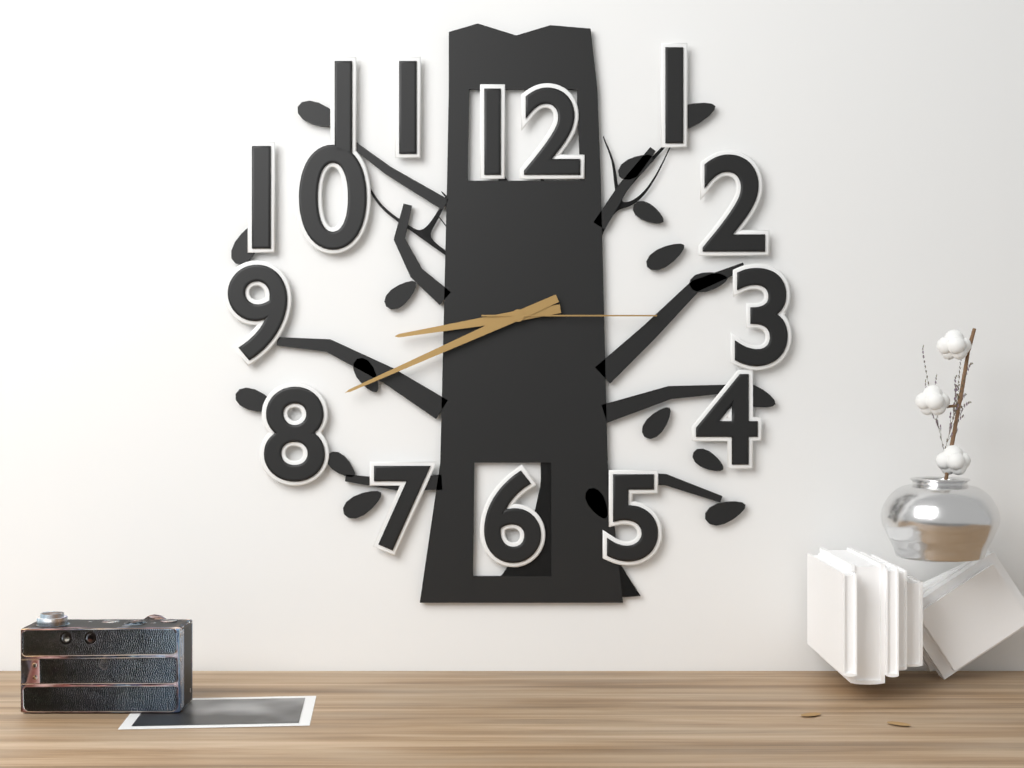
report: 8,41,15
